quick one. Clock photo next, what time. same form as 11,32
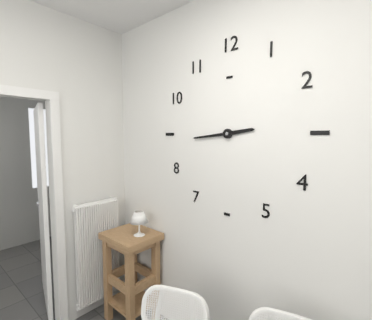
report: 2,44
